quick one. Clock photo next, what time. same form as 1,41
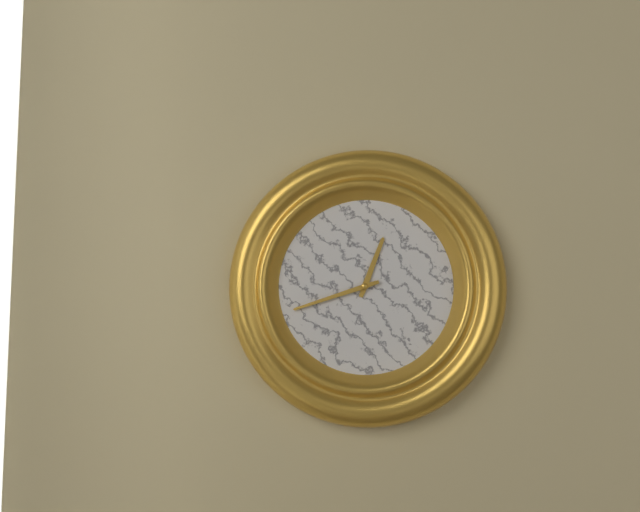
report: 12,42
